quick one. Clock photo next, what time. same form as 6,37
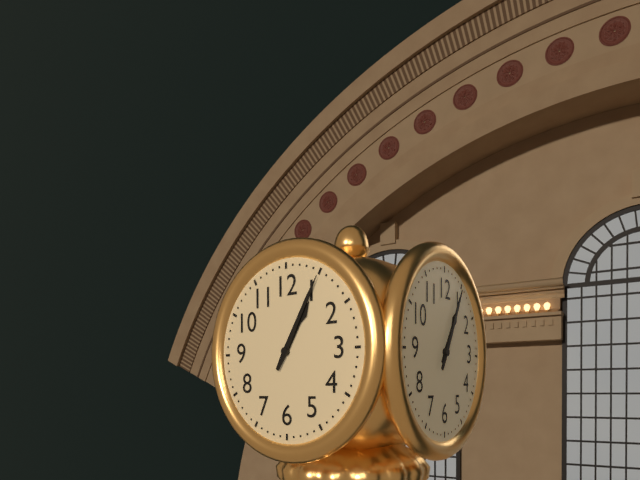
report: 1,05
